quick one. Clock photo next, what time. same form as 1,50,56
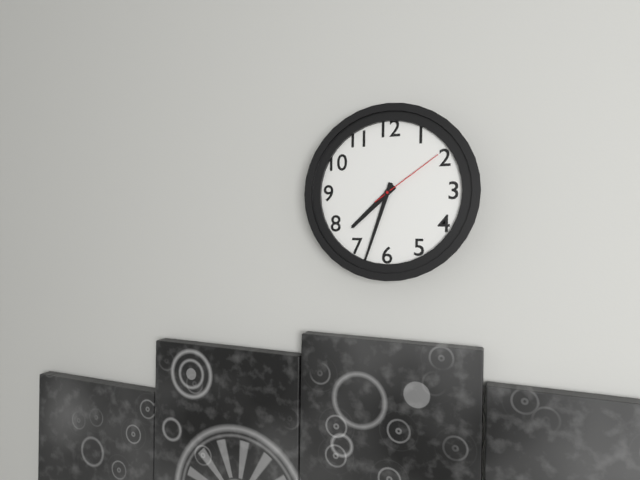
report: 7,33,09
